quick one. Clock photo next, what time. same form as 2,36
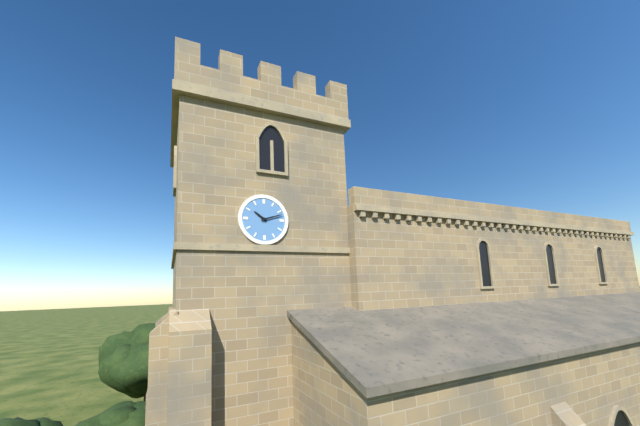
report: 10,12
